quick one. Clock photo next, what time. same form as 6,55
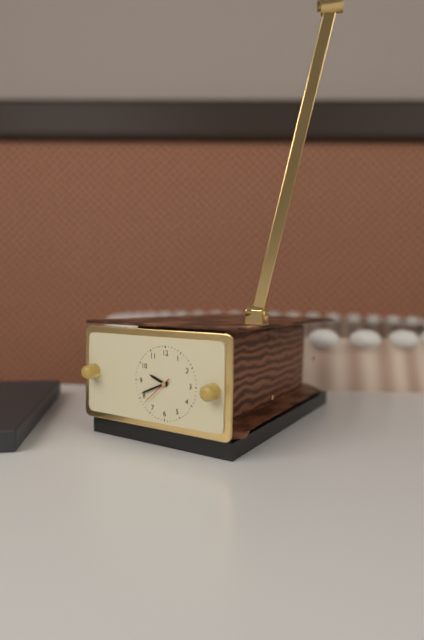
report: 9,41
